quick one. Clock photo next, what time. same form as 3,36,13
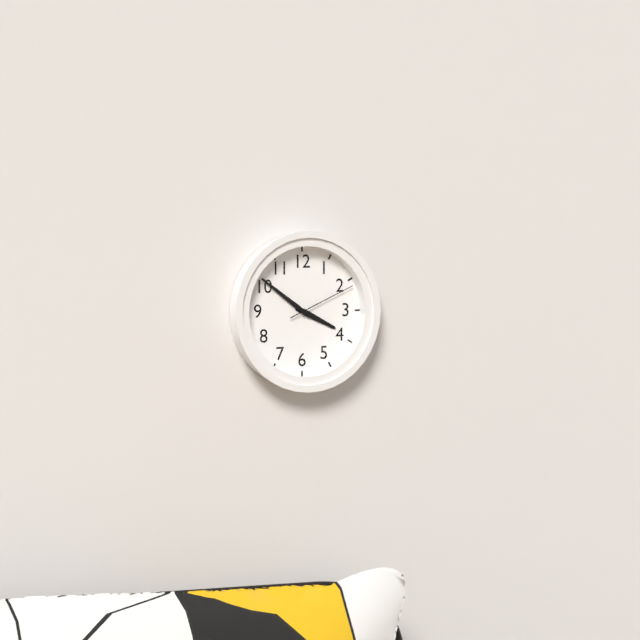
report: 3,51,11
